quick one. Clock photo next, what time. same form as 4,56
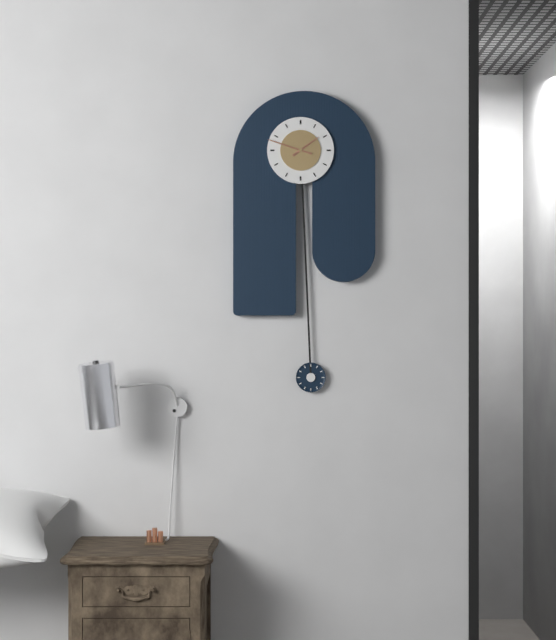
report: 1,48
